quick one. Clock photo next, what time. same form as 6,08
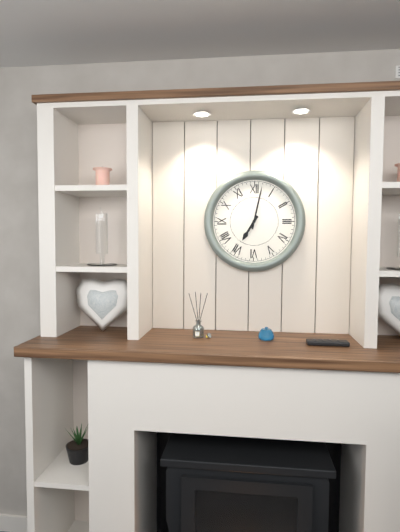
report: 7,02
